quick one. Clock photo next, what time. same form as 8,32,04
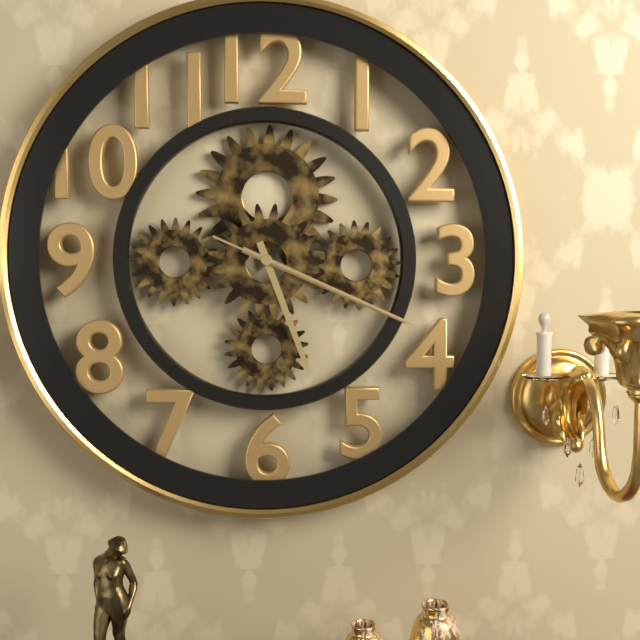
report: 5,19,19
